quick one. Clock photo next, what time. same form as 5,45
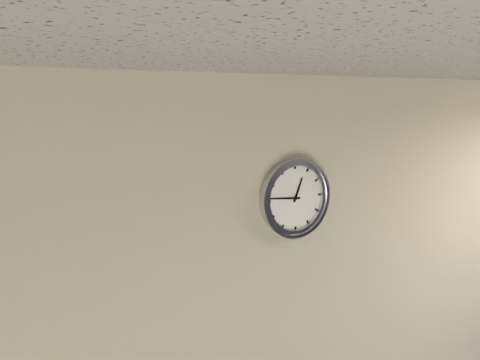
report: 12,46
